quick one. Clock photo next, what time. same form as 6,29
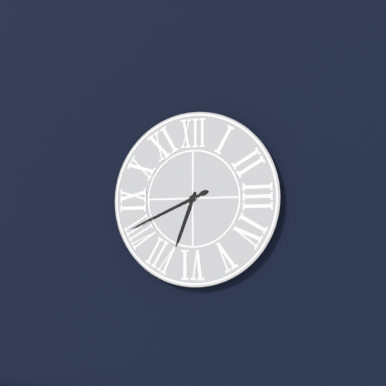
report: 6,41
